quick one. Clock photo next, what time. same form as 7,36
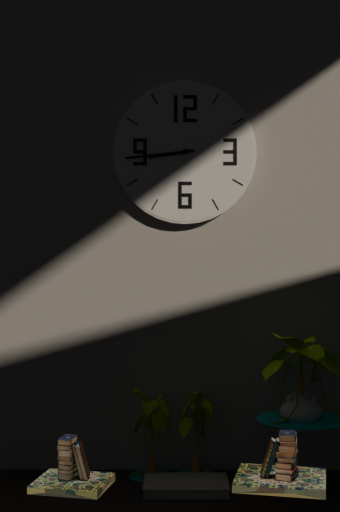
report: 8,44
